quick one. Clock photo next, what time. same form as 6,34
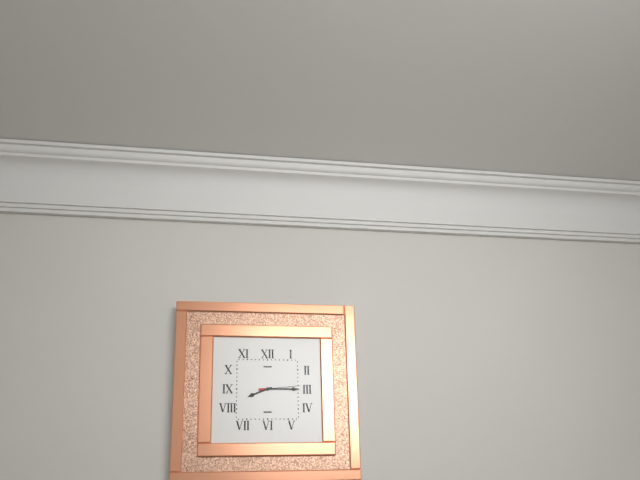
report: 8,15
